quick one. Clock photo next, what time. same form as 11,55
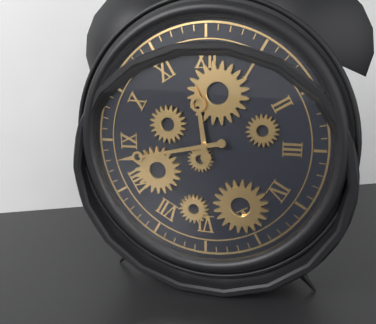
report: 11,43
